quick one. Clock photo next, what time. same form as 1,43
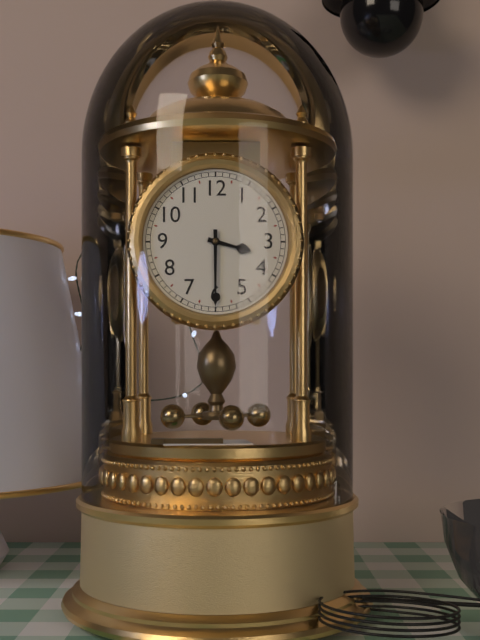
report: 3,30
